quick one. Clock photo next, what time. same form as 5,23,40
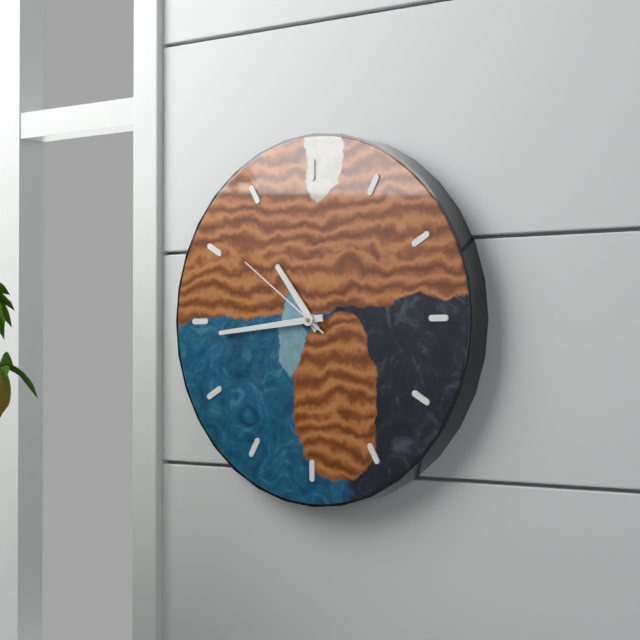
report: 10,44,51
